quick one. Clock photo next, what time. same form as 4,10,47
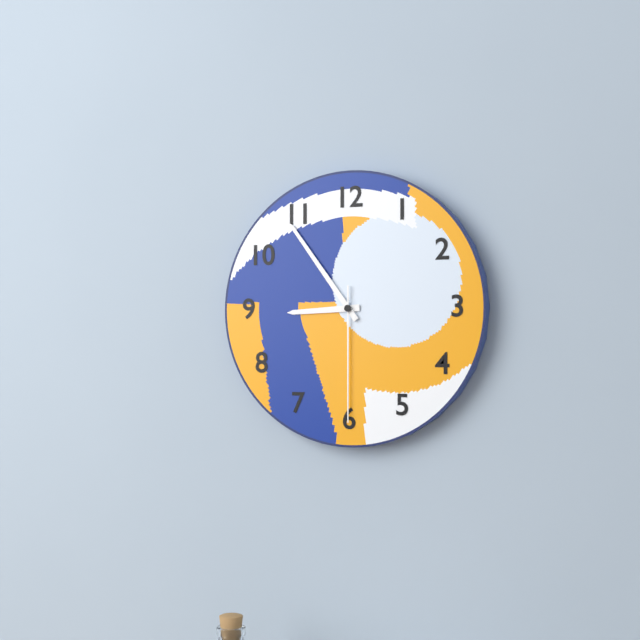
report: 8,54,30
